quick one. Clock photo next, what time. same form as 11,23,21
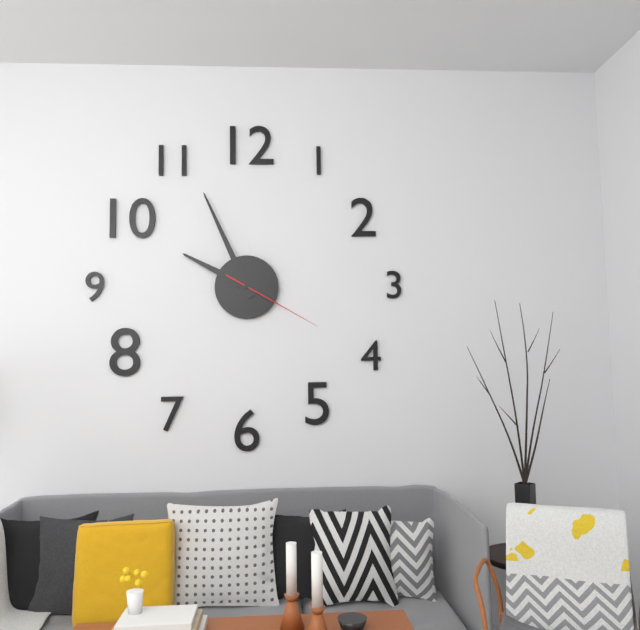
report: 9,56,20
